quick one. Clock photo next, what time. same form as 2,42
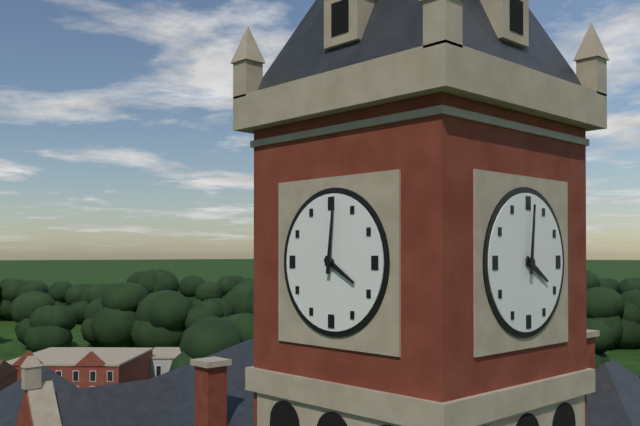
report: 4,01
